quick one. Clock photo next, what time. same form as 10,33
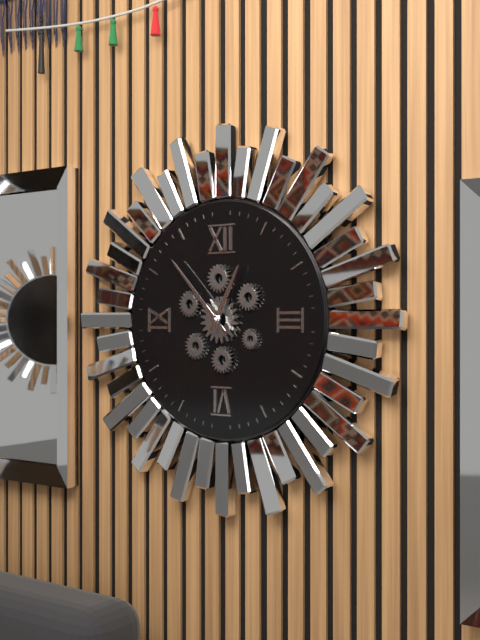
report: 12,53
